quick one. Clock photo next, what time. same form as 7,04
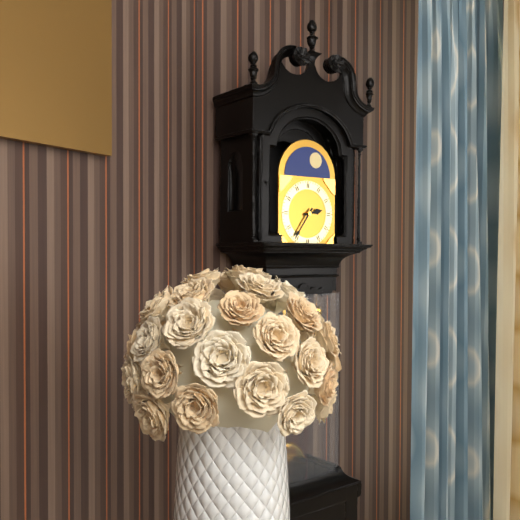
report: 2,36
